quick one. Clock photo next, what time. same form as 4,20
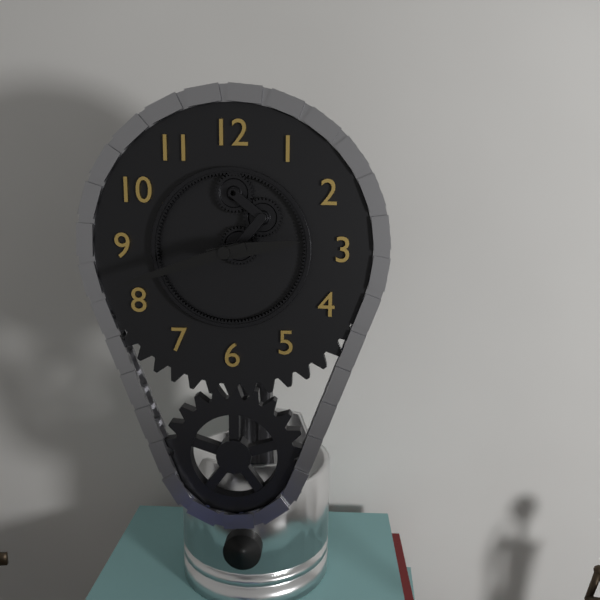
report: 2,42
